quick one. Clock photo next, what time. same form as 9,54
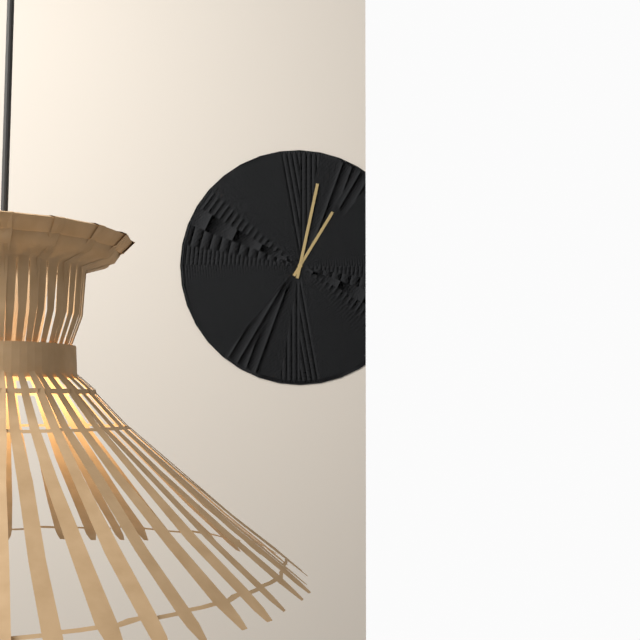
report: 1,02
